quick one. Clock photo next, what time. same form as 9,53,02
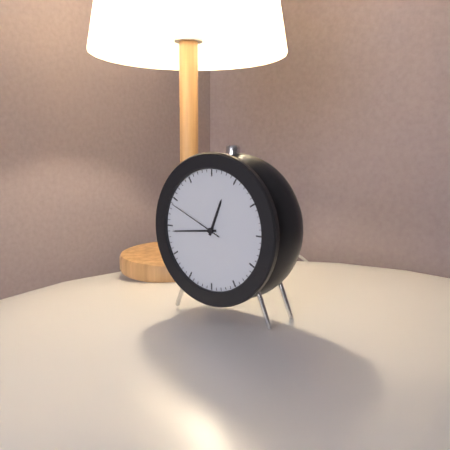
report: 12,44,49
